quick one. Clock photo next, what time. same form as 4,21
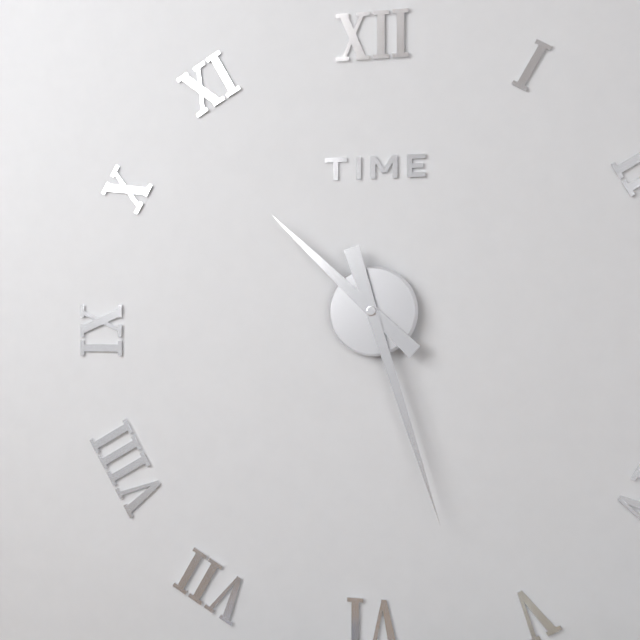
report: 10,27
